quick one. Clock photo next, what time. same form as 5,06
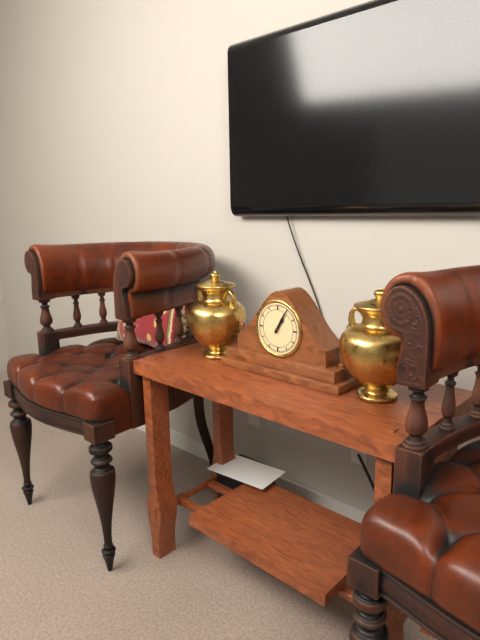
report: 1,05
